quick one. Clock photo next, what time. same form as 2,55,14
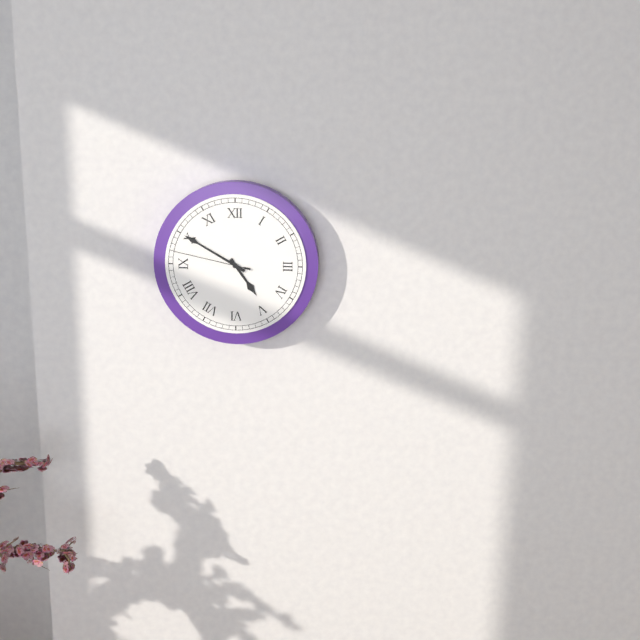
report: 4,50,47
